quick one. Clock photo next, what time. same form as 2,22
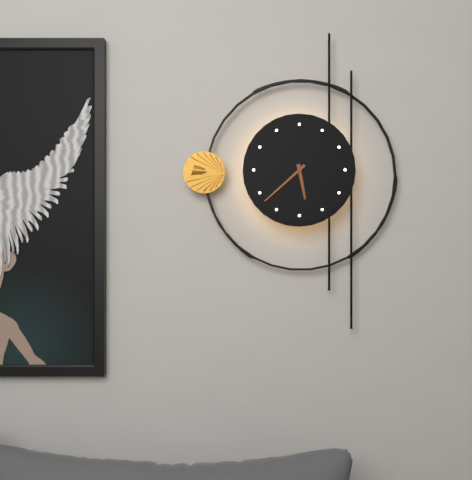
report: 5,38
